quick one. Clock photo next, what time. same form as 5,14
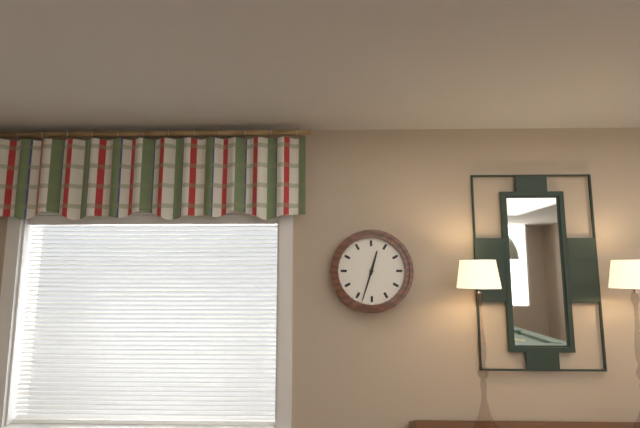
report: 12,33
